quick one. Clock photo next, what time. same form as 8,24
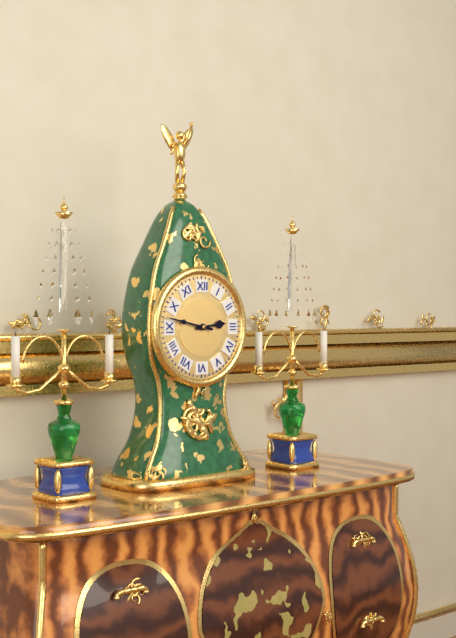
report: 2,47
